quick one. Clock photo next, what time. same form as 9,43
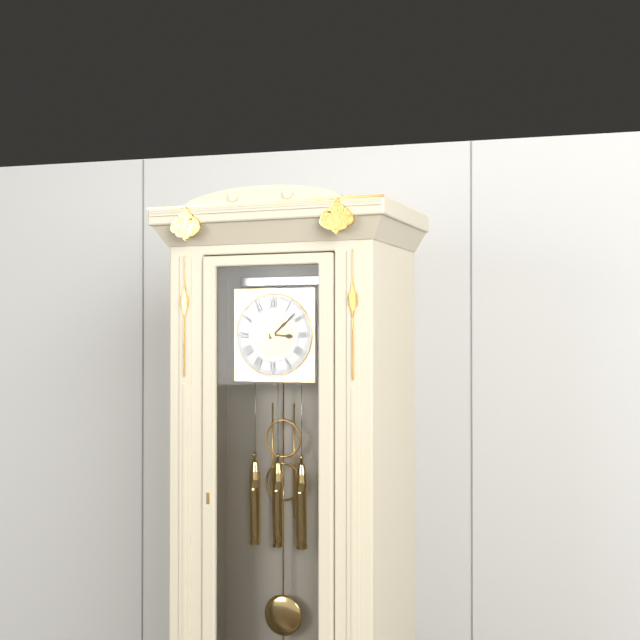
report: 3,08
